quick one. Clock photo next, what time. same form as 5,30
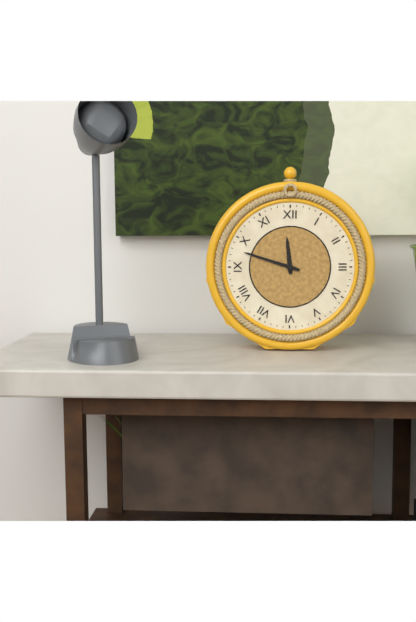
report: 11,48
